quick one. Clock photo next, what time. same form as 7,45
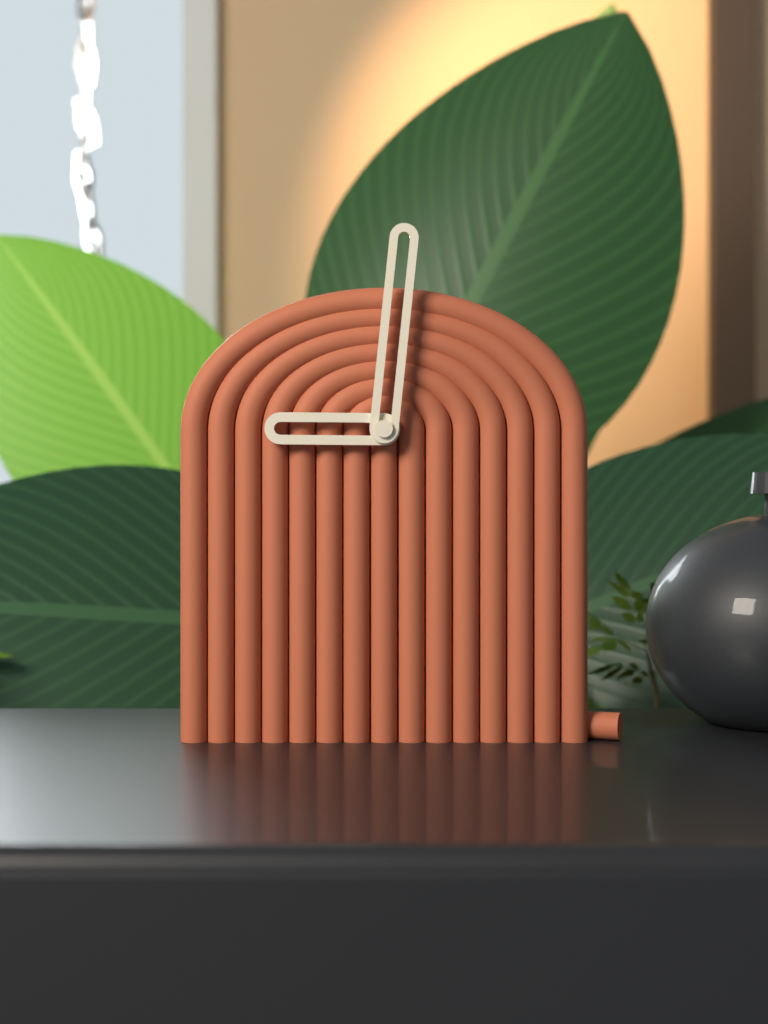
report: 9,01
